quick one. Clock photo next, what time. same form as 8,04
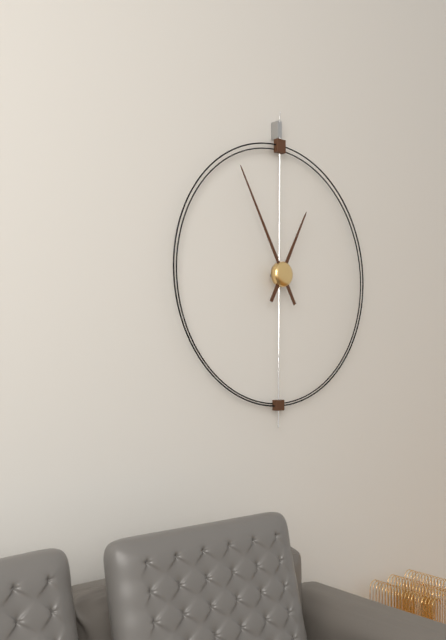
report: 12,55
